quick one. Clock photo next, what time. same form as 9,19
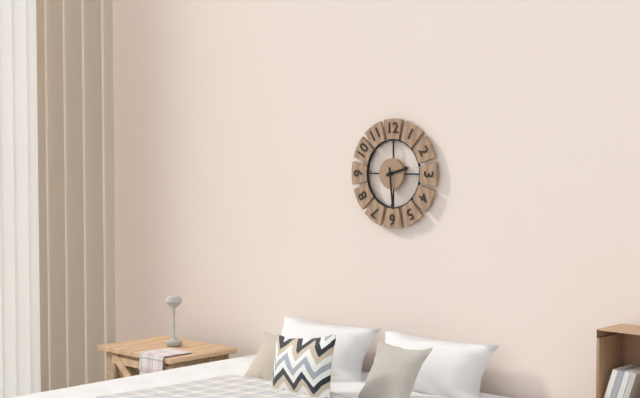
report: 2,29
